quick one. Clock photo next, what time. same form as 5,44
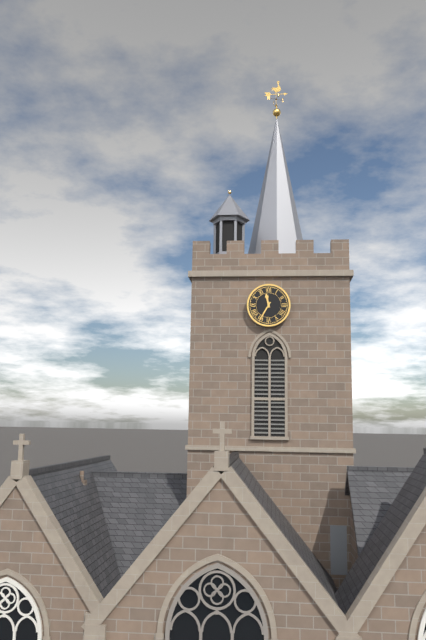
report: 11,35
